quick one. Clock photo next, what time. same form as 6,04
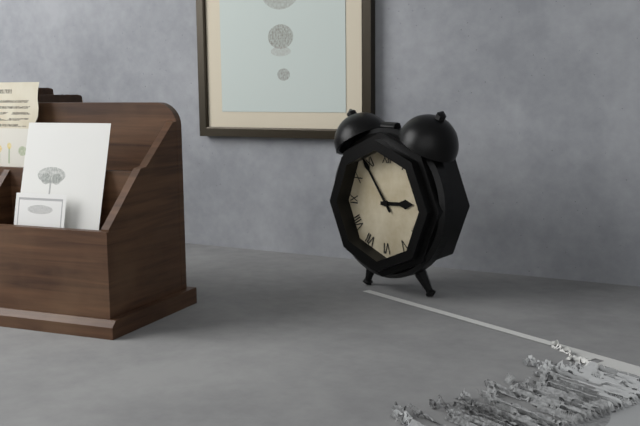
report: 2,54
